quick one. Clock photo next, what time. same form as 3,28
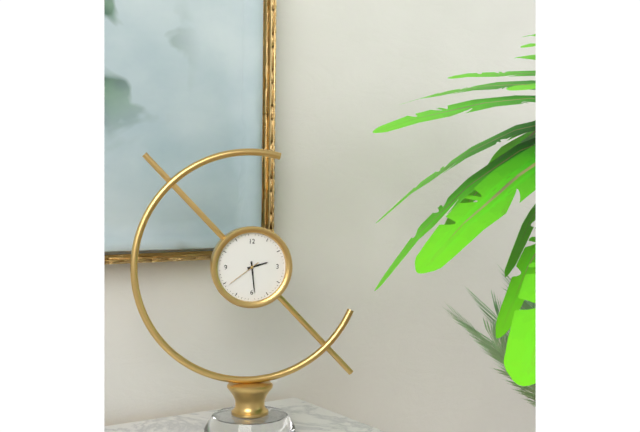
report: 2,29
